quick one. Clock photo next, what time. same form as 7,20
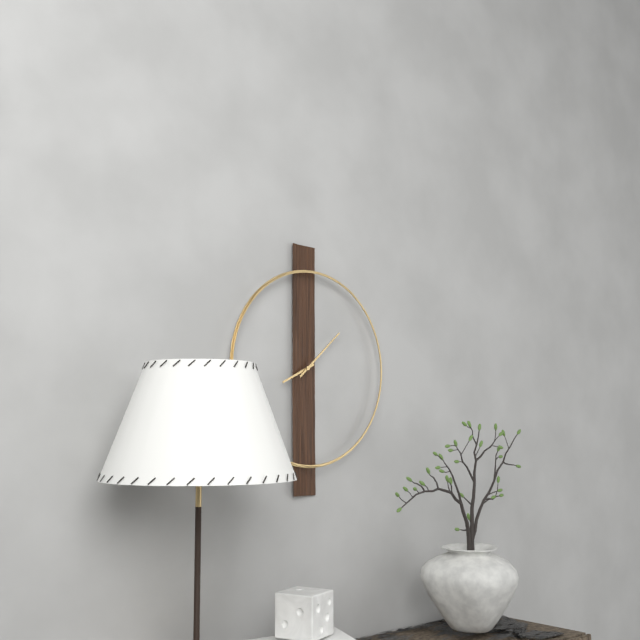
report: 8,08
